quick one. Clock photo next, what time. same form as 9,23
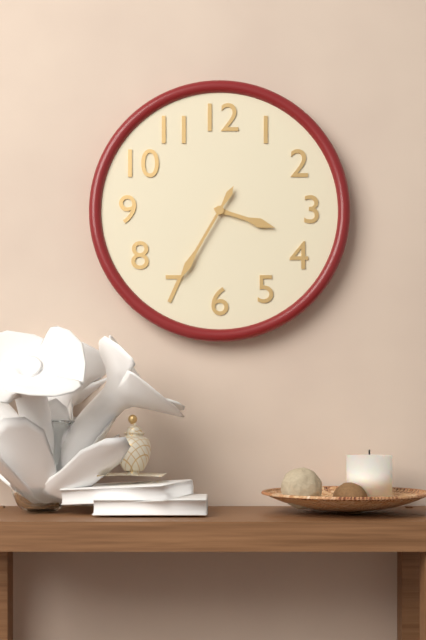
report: 3,35
